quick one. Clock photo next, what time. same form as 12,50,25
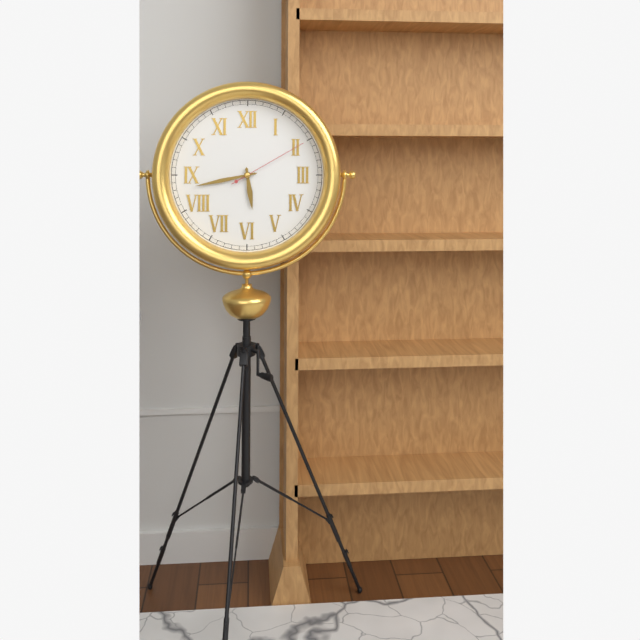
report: 5,43,10
